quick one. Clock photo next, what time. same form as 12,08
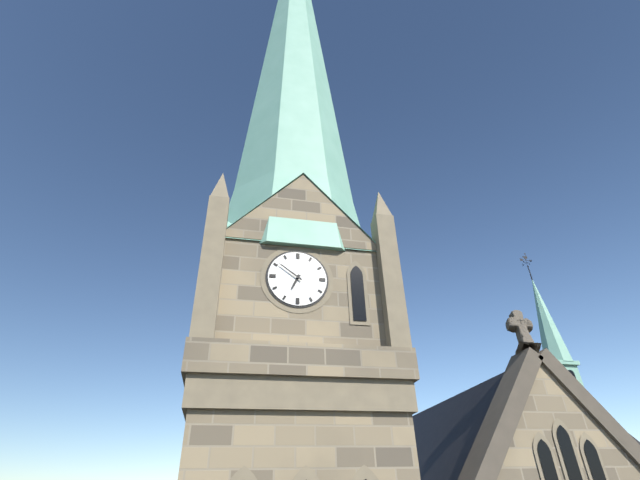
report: 6,51
